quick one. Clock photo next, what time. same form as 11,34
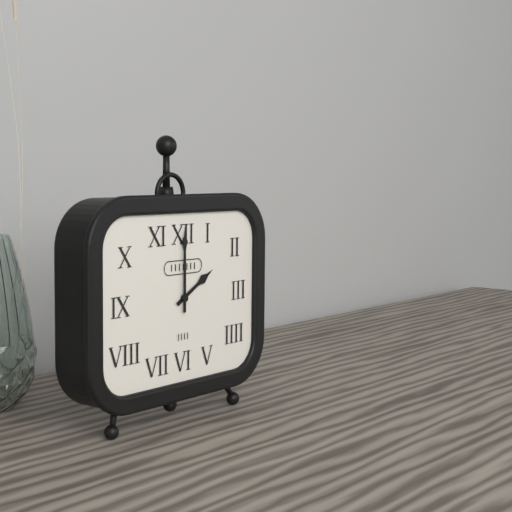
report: 2,00
